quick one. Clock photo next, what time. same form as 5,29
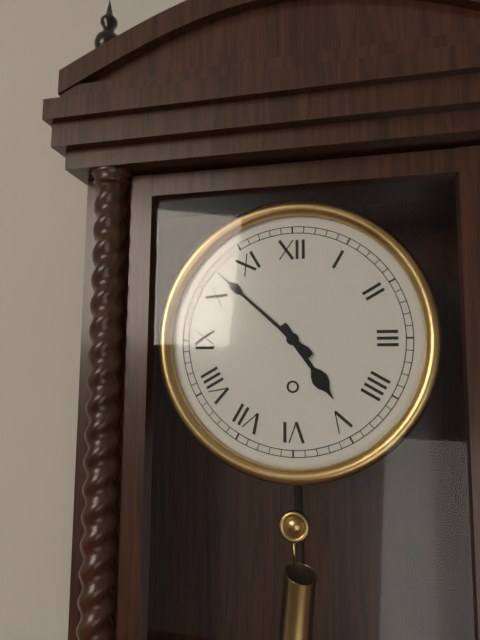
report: 4,52
